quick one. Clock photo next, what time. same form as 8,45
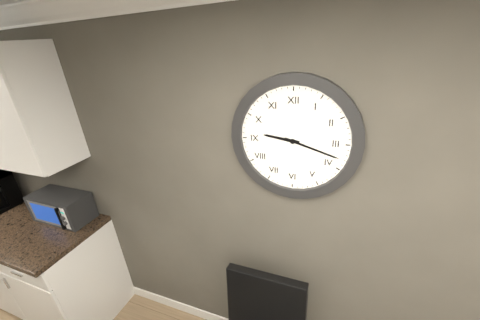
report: 9,18
